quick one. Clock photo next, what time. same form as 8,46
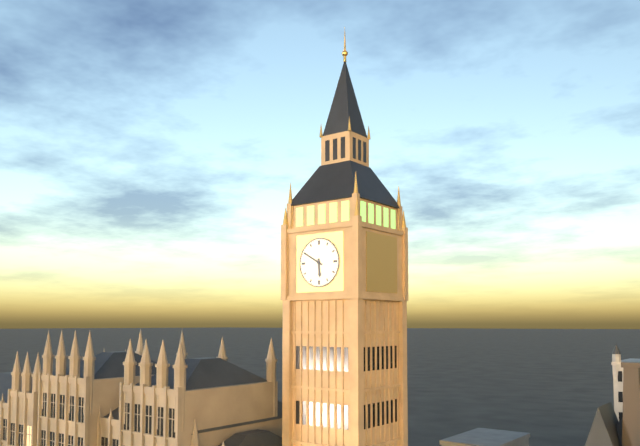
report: 5,50
